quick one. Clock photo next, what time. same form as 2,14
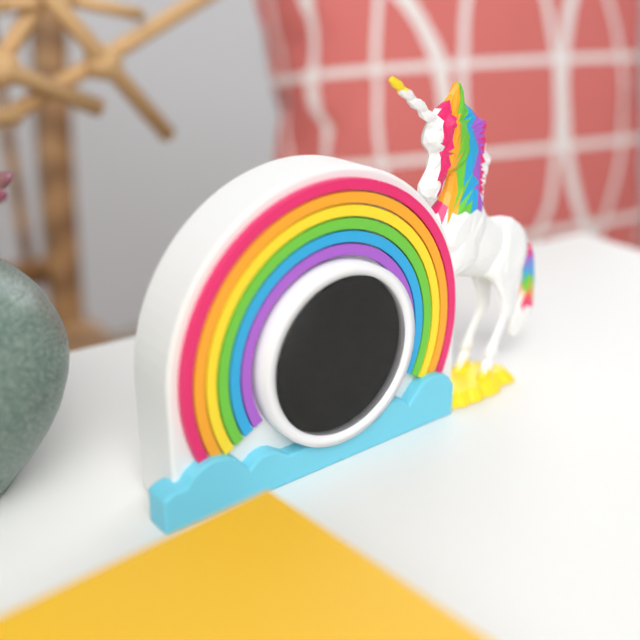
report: 6,59
